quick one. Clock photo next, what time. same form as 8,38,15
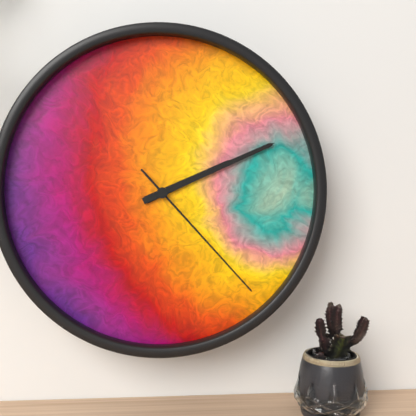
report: 2,11,23
